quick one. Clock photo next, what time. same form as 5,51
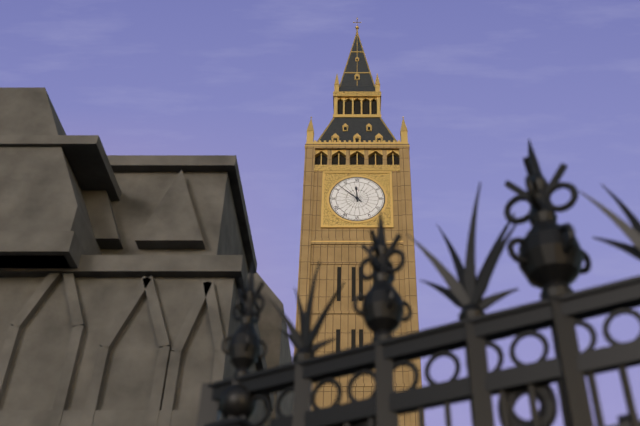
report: 11,52
